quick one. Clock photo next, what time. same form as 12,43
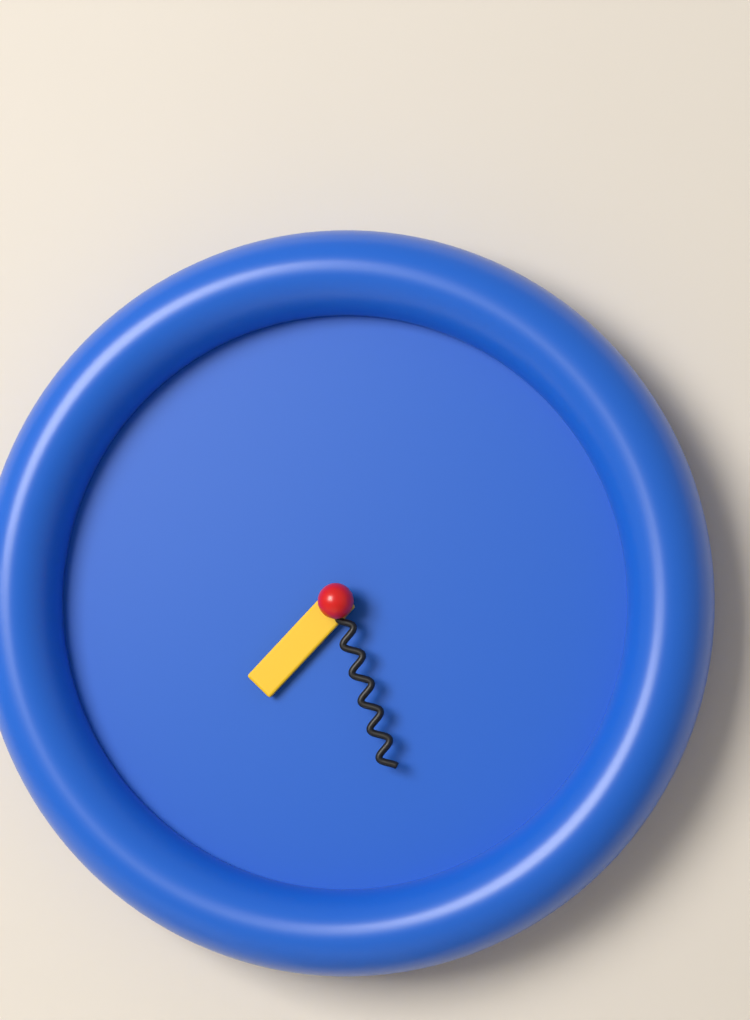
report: 7,27
